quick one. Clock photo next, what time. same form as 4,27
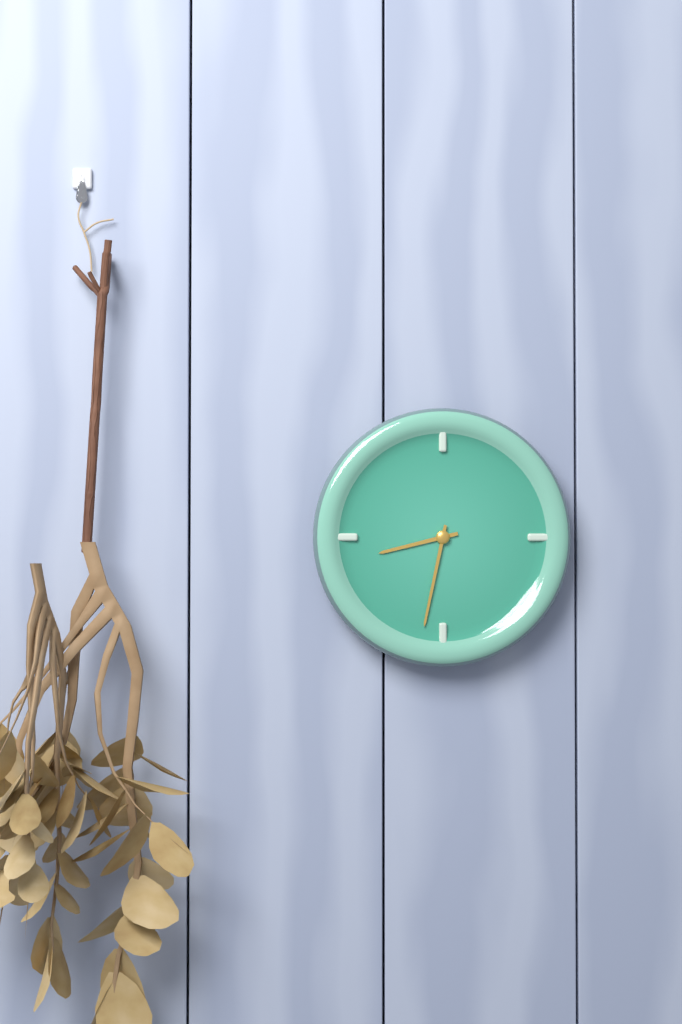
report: 8,32
